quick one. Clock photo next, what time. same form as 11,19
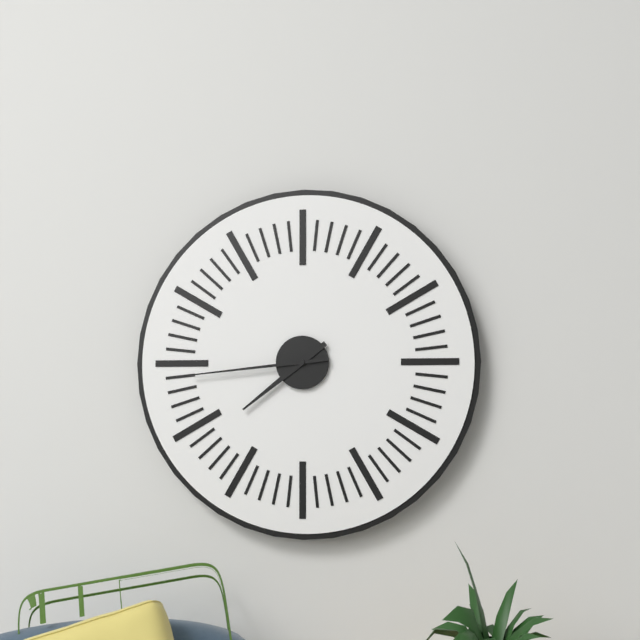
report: 7,44
